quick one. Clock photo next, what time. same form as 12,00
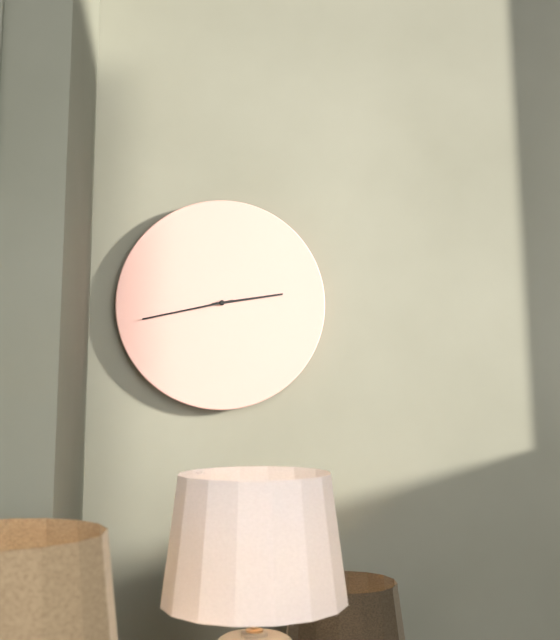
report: 2,43
